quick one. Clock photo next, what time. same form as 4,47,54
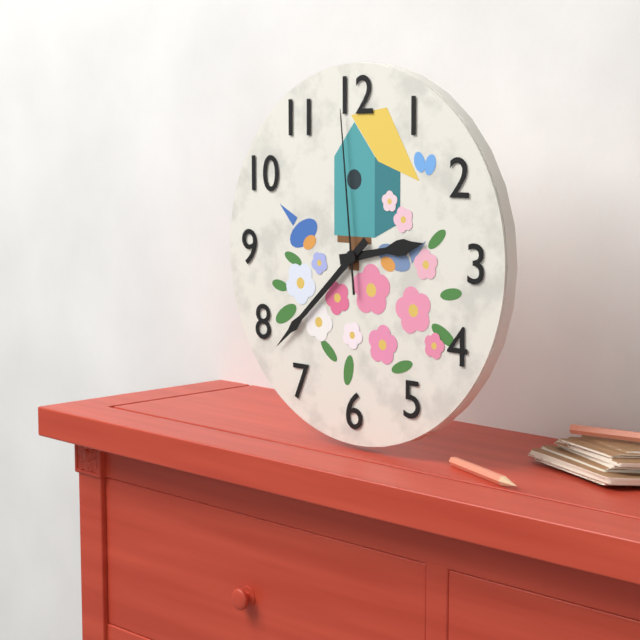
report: 2,38,59
